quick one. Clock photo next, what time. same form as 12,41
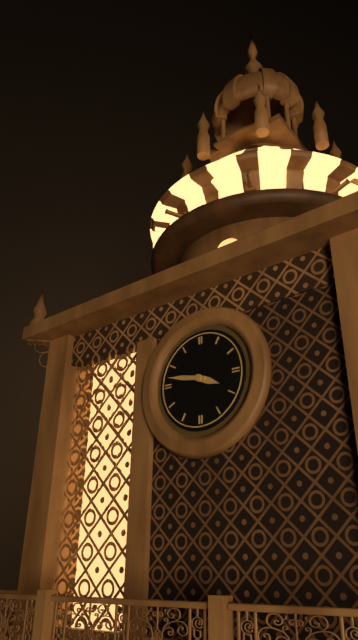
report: 3,47
